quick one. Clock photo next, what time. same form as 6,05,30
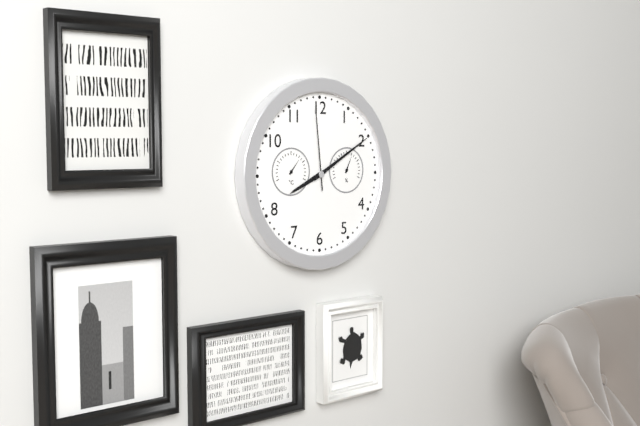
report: 8,10,59
